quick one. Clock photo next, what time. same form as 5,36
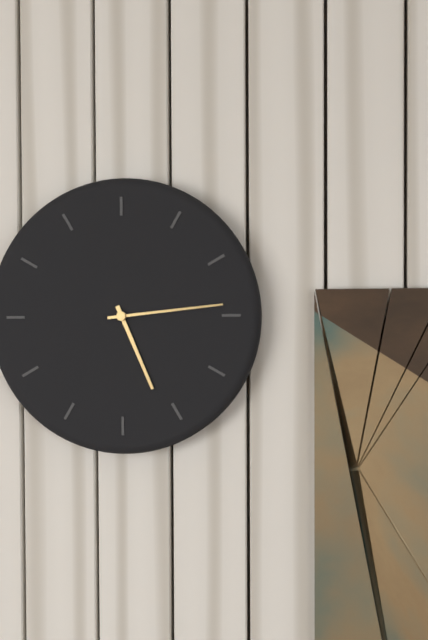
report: 5,14
